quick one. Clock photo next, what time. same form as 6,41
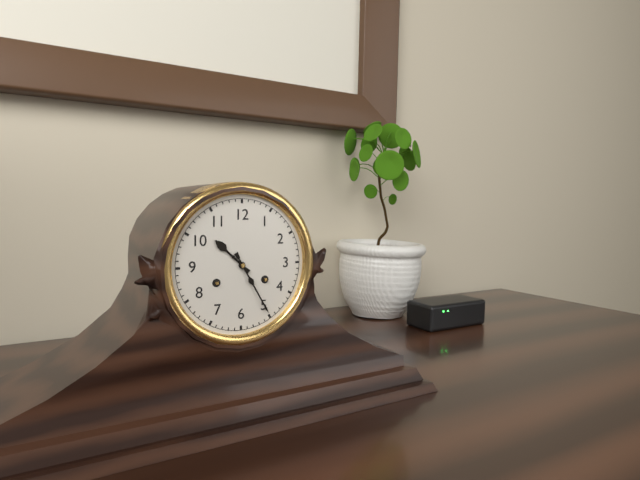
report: 10,25
